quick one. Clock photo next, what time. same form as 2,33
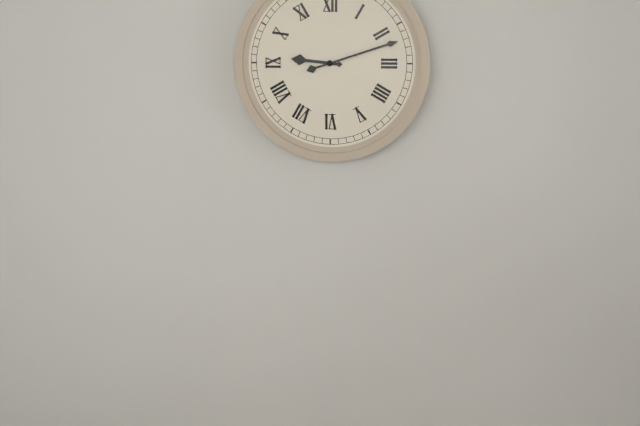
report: 9,12
